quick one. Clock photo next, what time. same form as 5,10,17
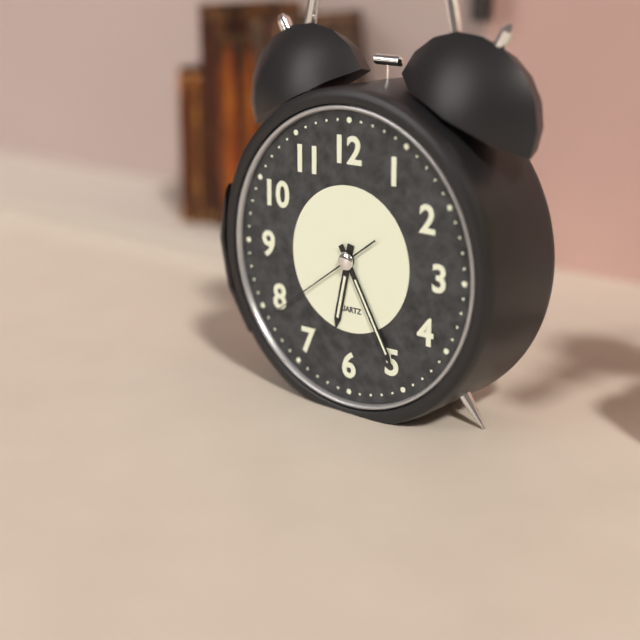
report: 6,25,39
